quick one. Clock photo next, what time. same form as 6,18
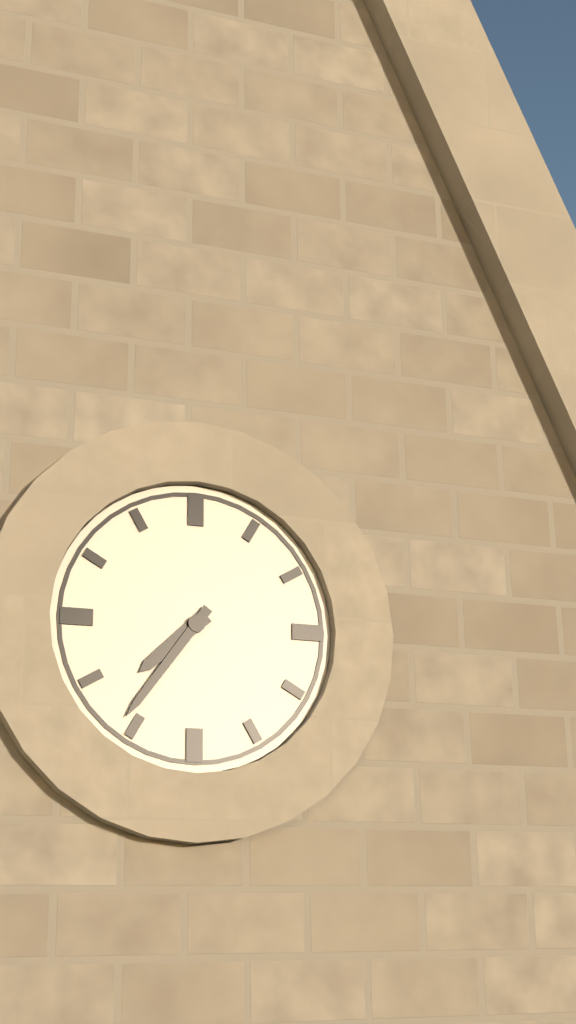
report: 7,36
